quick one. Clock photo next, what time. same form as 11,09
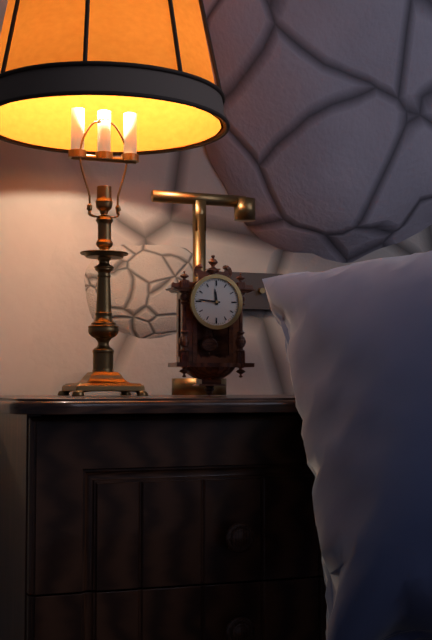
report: 11,46
